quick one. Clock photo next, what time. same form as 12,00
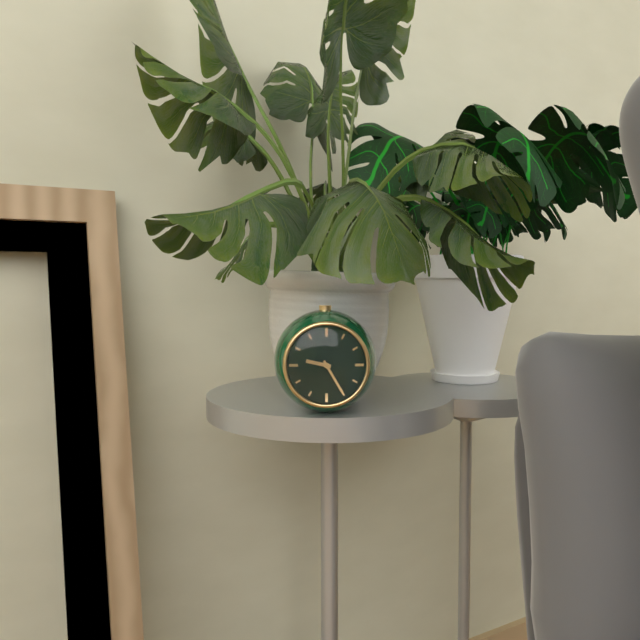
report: 9,25
